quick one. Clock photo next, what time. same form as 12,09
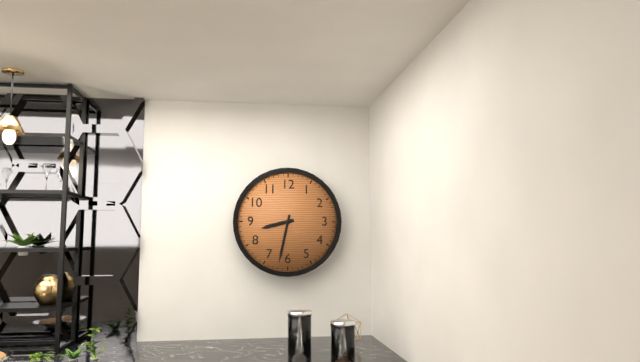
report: 8,32
